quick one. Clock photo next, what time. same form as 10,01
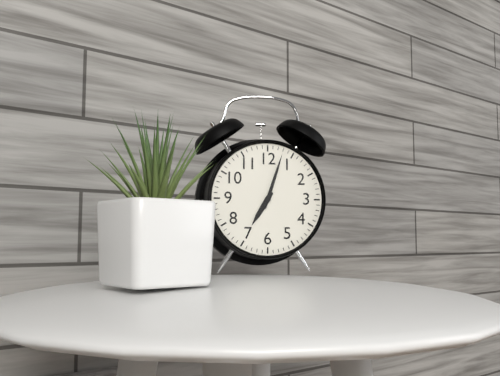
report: 7,03
